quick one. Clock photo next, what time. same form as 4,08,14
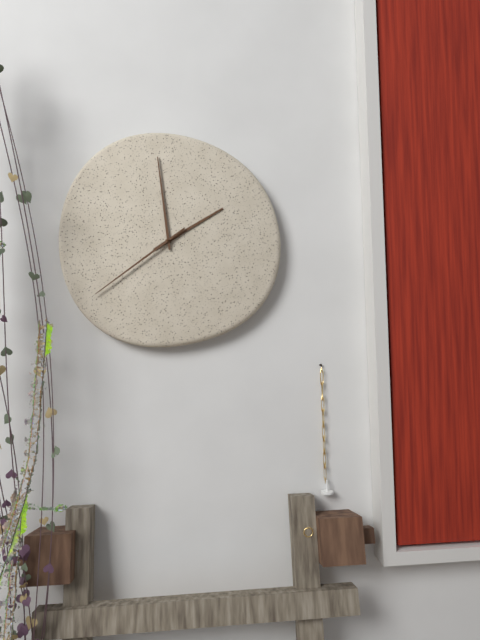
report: 1,59,39
